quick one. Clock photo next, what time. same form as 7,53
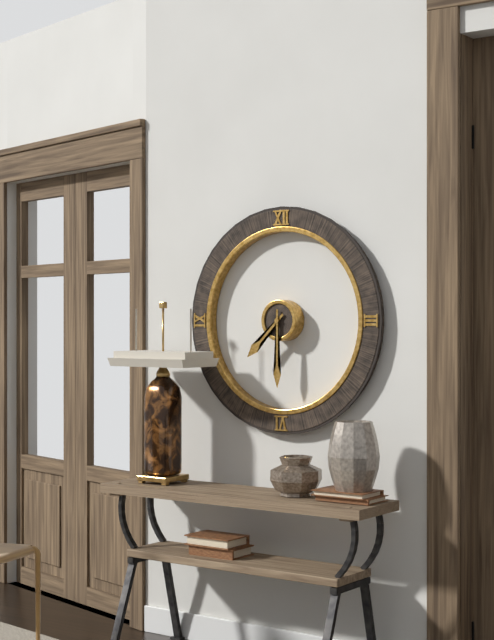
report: 7,30
